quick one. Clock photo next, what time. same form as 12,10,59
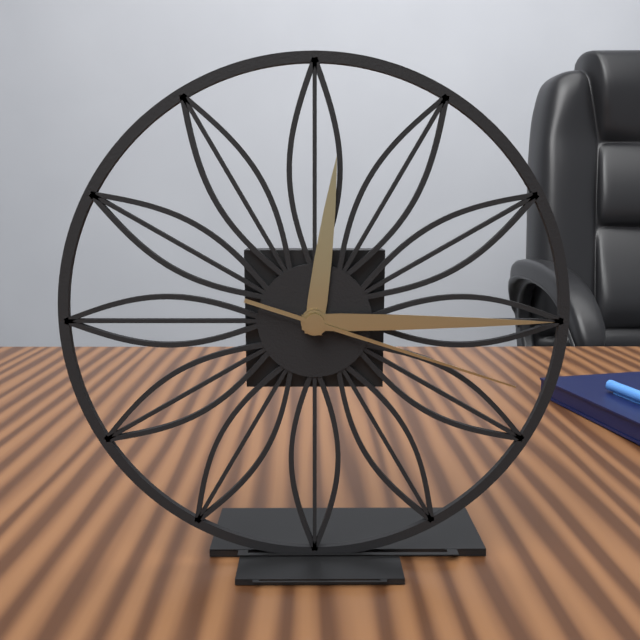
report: 12,15,18
